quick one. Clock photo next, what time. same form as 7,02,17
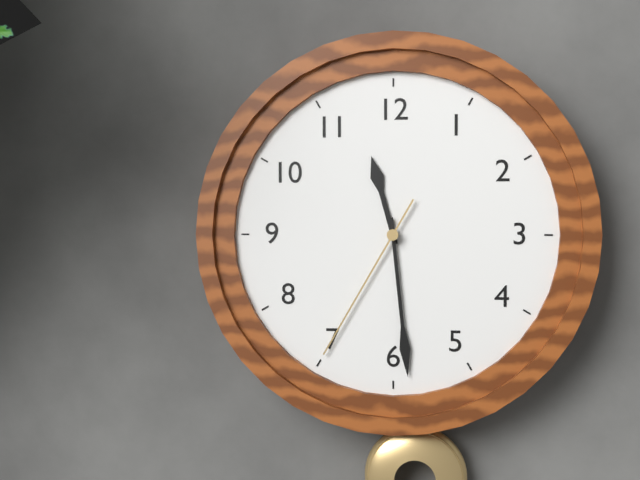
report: 11,29,35
